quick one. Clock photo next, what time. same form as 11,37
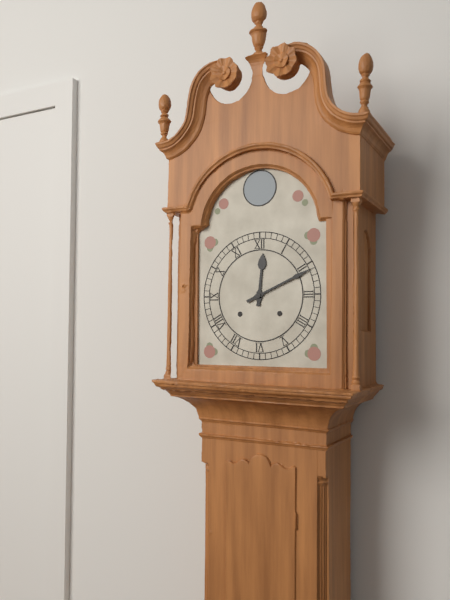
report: 12,11
